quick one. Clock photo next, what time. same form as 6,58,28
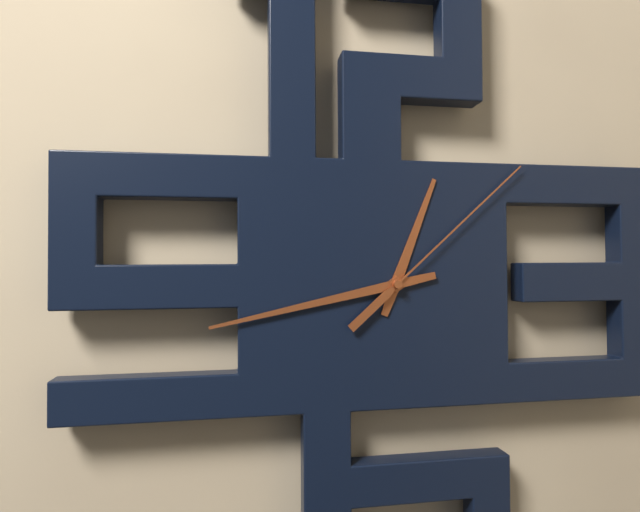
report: 12,43,08
